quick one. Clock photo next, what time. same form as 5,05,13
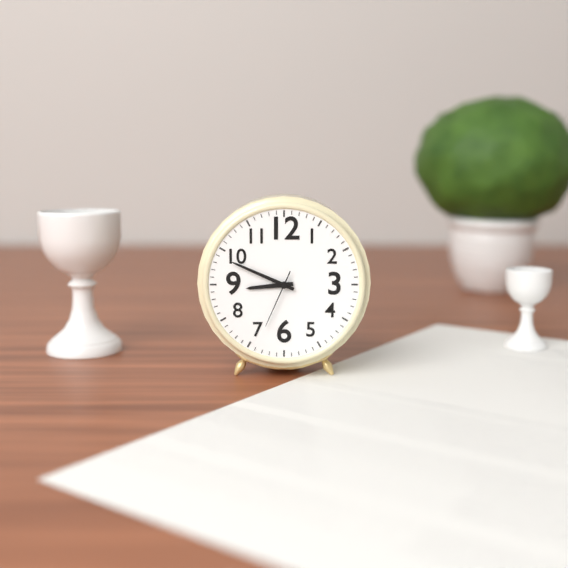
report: 8,49,34
